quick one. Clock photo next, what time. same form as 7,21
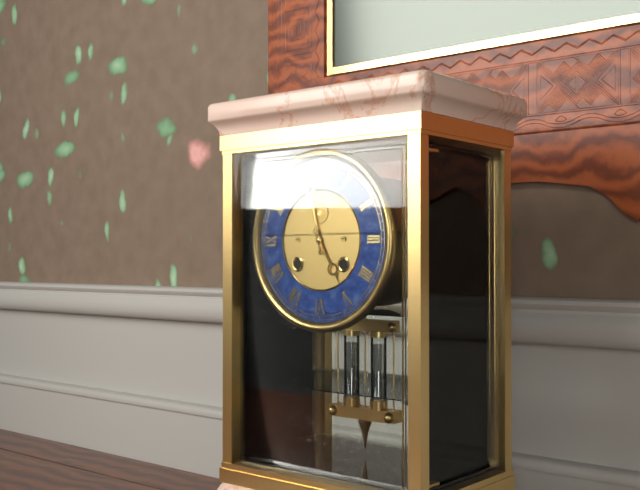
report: 4,58
